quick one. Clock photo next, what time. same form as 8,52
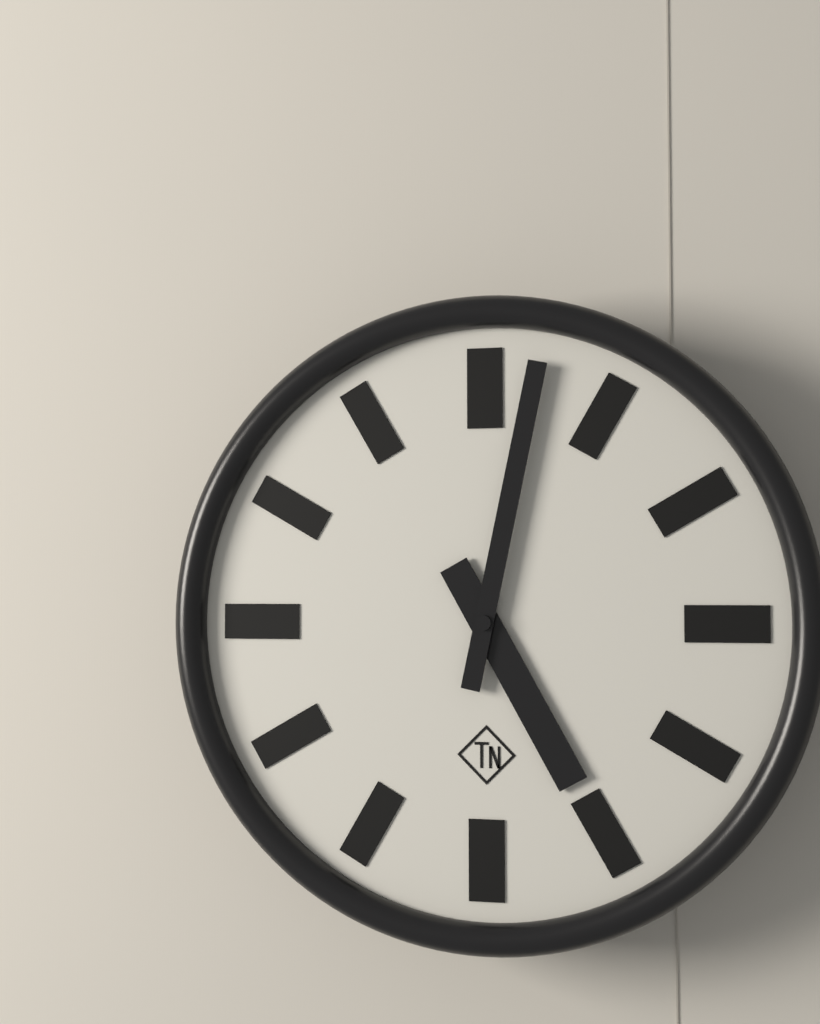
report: 5,02
